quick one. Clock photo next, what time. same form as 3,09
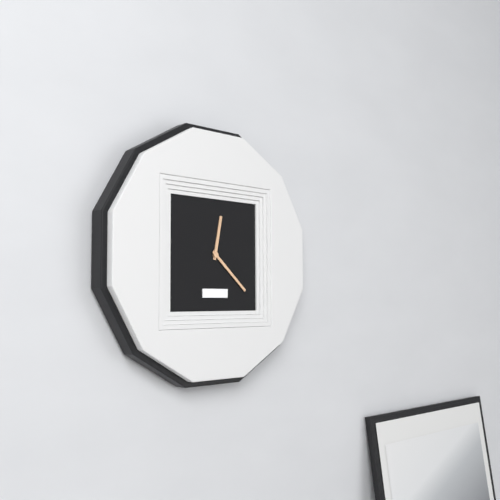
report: 12,22
